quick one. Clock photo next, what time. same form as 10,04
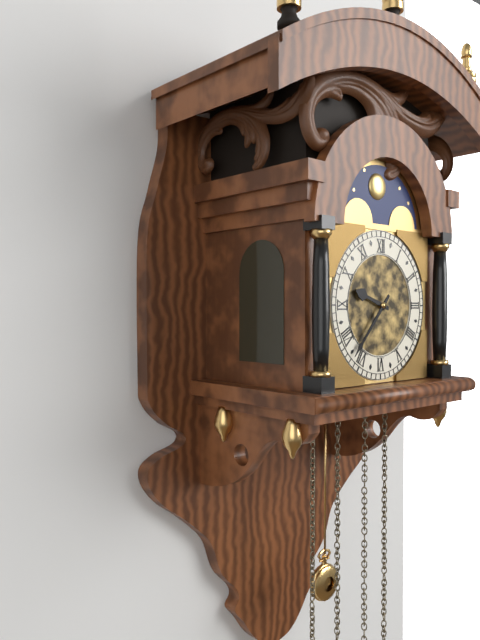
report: 9,37
